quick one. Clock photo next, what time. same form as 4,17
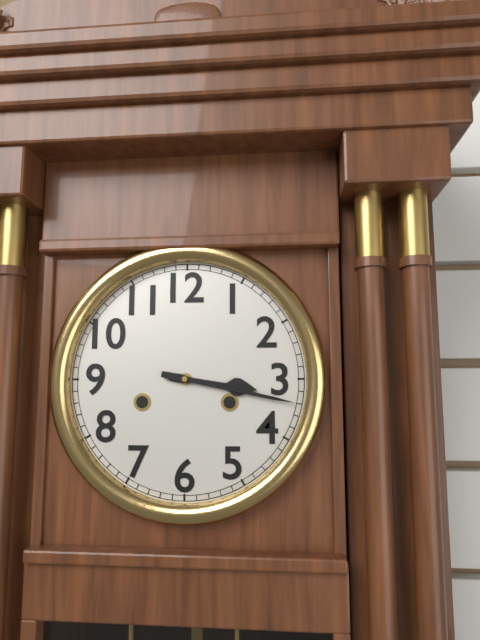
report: 3,17
